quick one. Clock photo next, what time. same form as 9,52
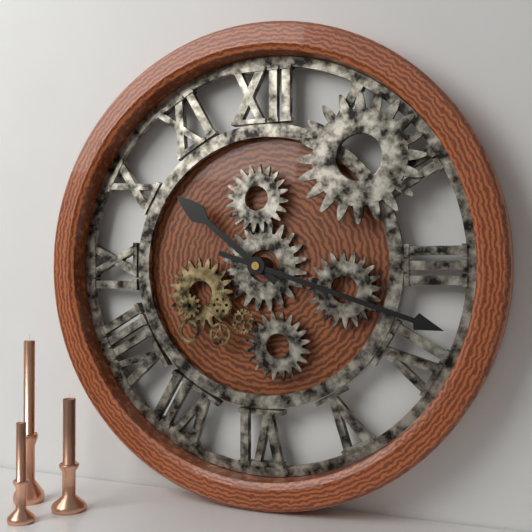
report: 10,18
